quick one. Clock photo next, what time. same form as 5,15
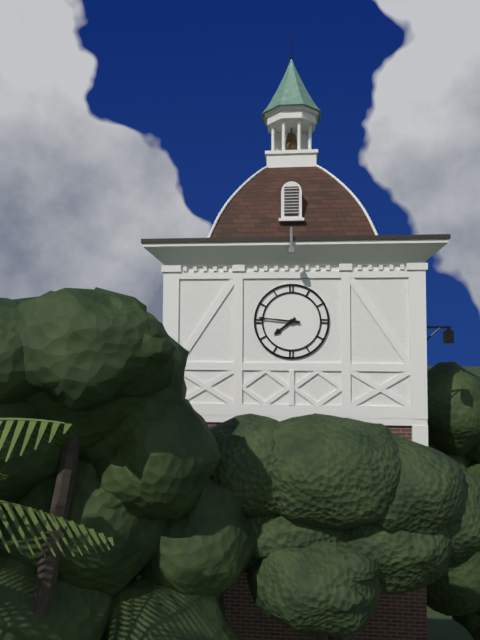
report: 7,46
